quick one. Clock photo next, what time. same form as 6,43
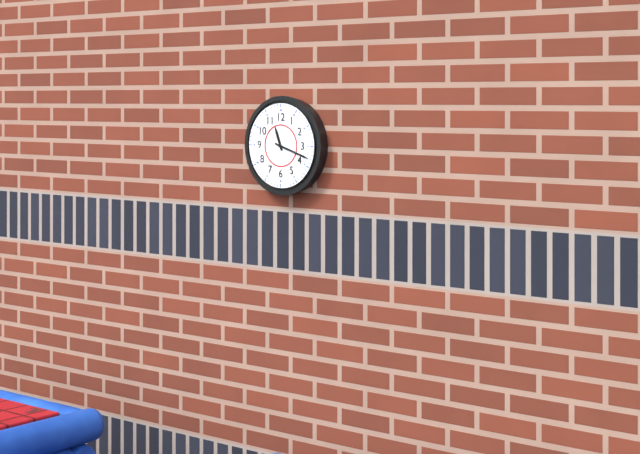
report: 11,18
